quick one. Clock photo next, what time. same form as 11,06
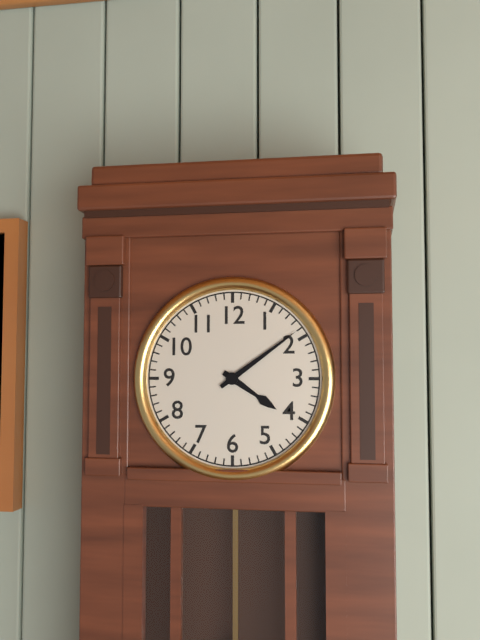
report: 4,09
